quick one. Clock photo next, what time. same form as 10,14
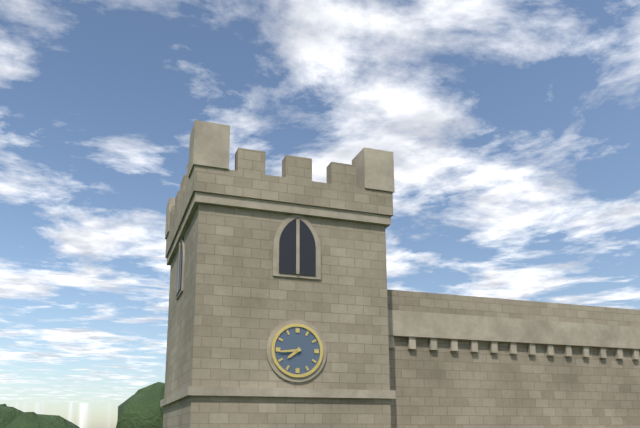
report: 7,44
